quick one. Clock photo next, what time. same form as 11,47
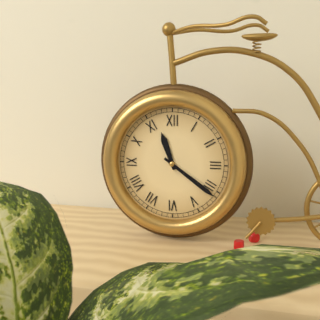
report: 11,21
